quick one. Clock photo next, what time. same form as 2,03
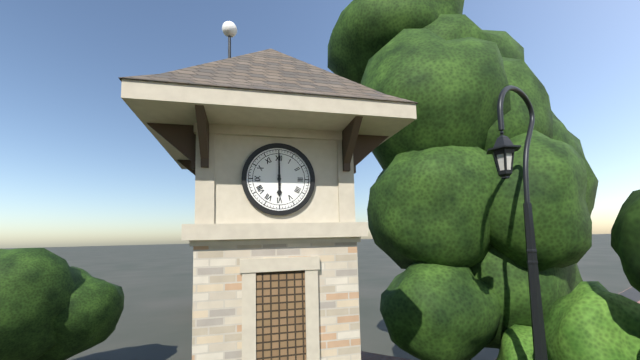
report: 6,00
